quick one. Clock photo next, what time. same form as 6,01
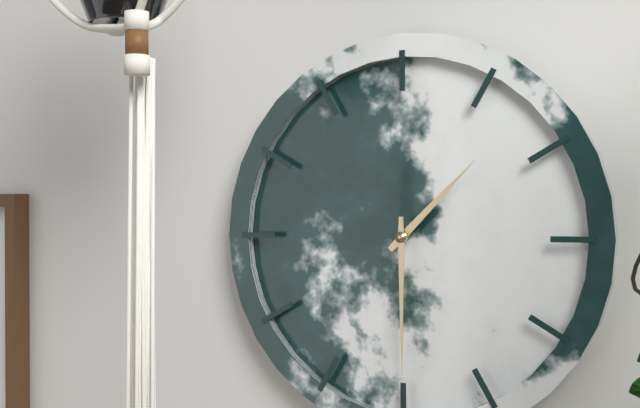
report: 1,30
